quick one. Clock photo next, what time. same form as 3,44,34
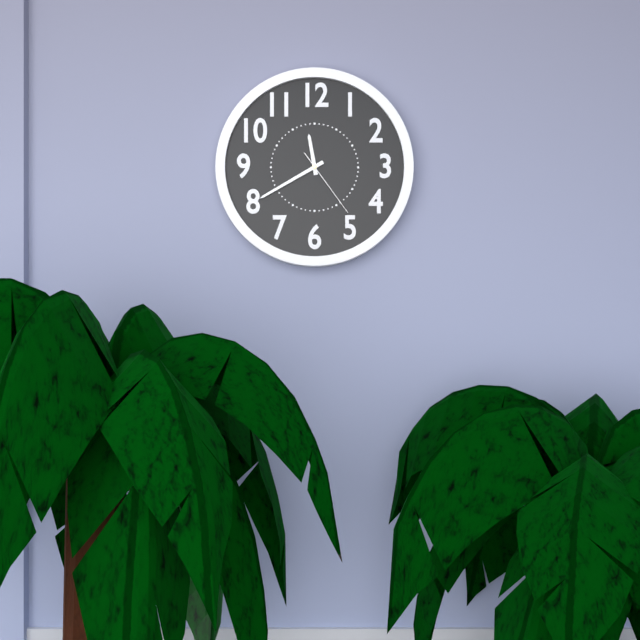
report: 11,40,24
